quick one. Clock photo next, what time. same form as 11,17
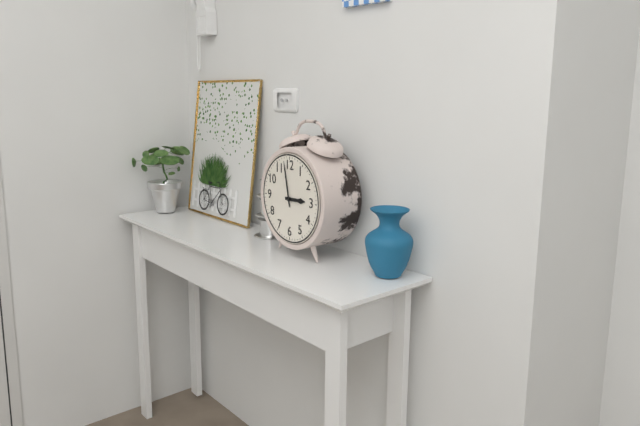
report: 2,58
